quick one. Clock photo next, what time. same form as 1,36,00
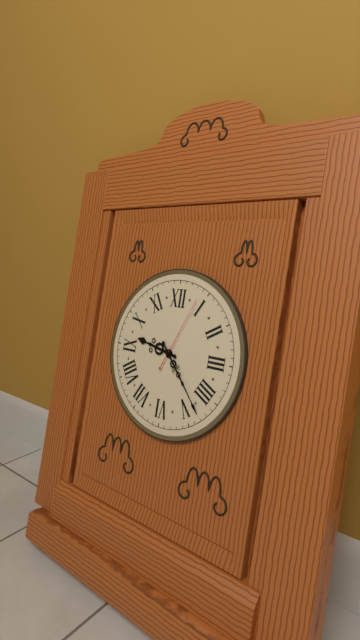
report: 9,23,04
